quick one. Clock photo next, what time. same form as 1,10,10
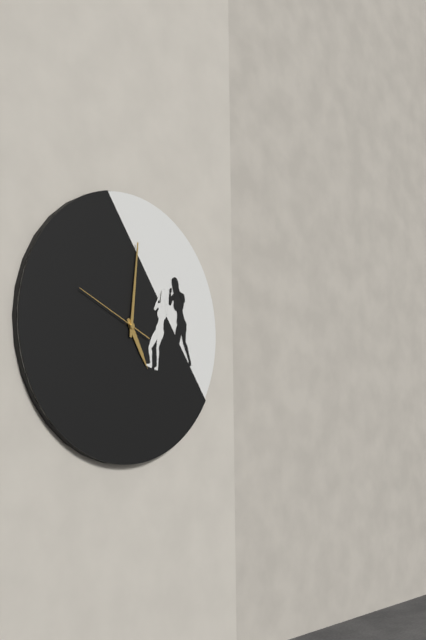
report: 5,01,49
